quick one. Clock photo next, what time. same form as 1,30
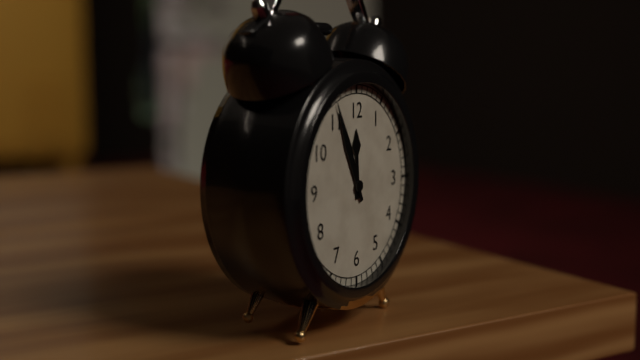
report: 11,56
